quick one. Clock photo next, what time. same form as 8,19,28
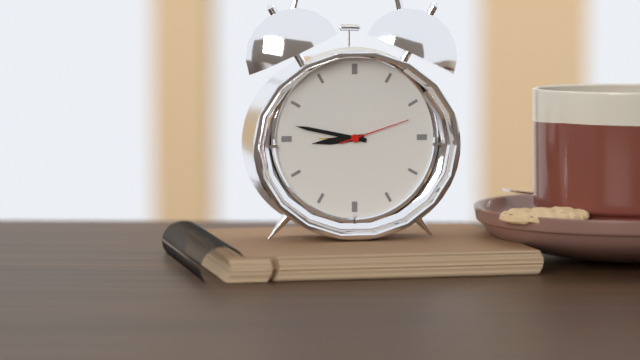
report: 8,47,12
